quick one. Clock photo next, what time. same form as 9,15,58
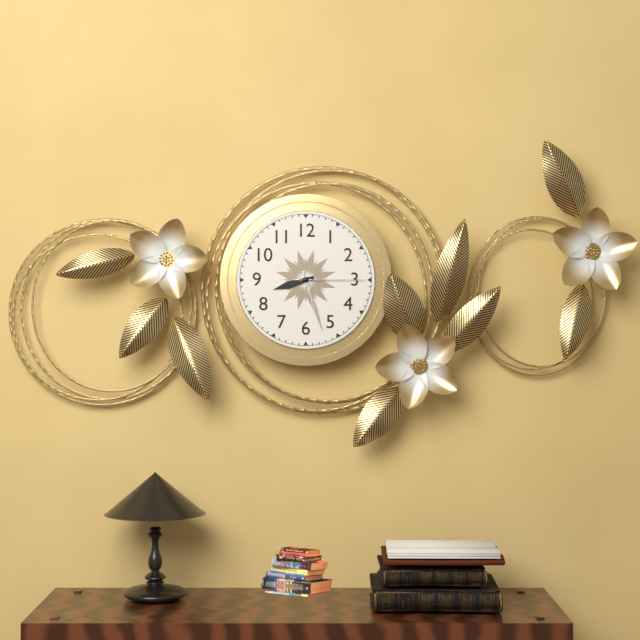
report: 8,27,15
